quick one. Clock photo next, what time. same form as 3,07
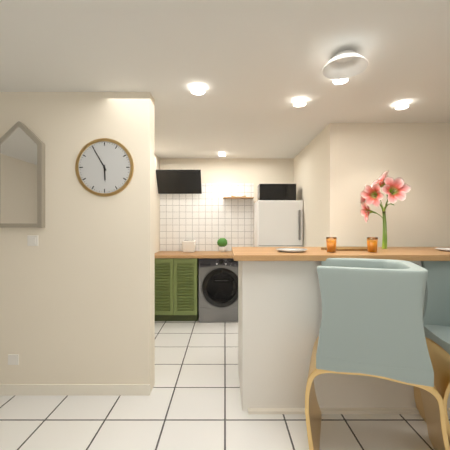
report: 5,55
